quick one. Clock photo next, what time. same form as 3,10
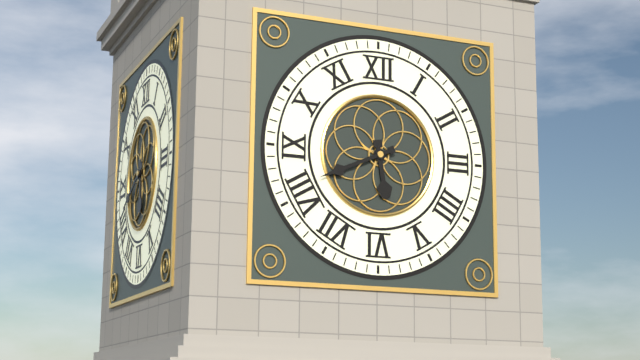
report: 5,41
